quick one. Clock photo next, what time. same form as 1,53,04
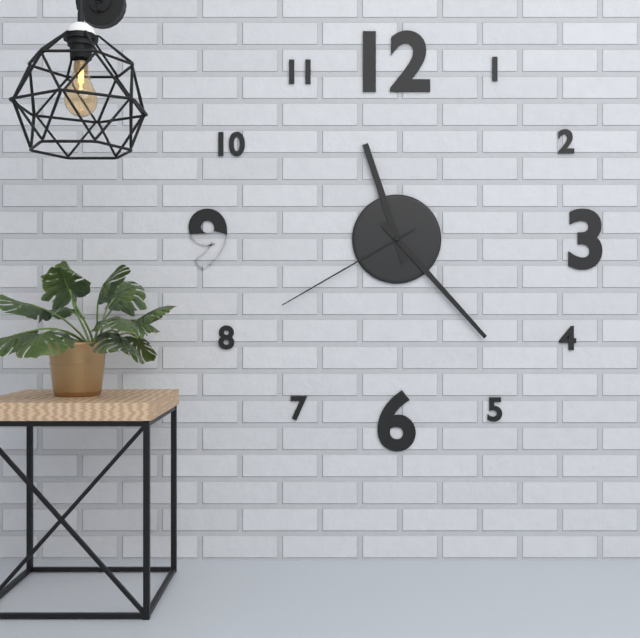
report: 11,23,40
